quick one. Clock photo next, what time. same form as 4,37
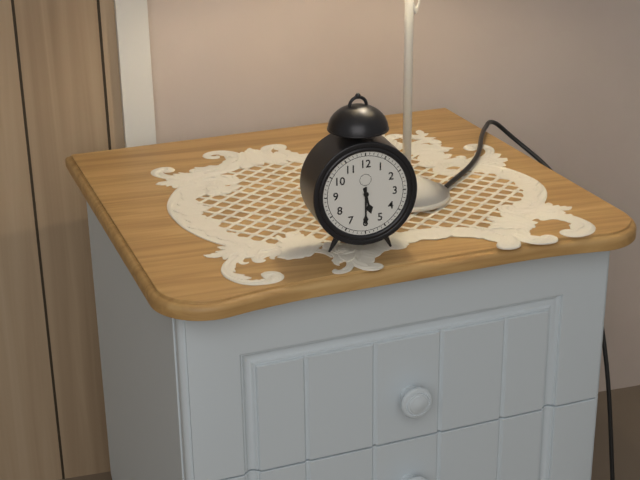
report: 5,30
